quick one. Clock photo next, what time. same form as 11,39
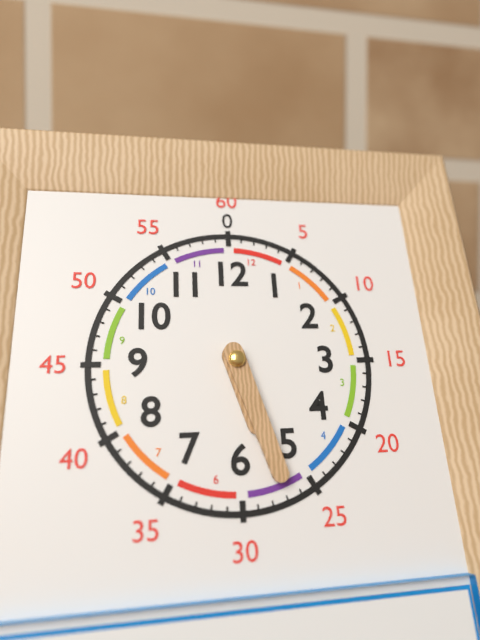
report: 5,27
